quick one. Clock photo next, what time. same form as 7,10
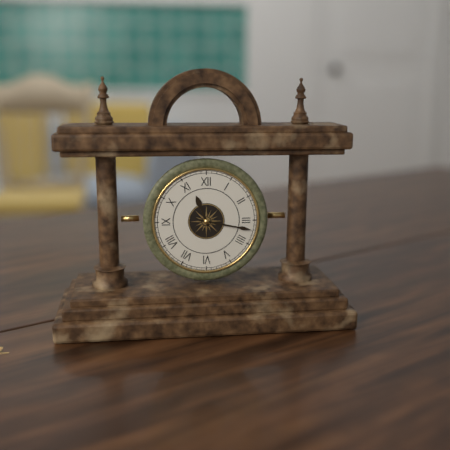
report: 11,17
